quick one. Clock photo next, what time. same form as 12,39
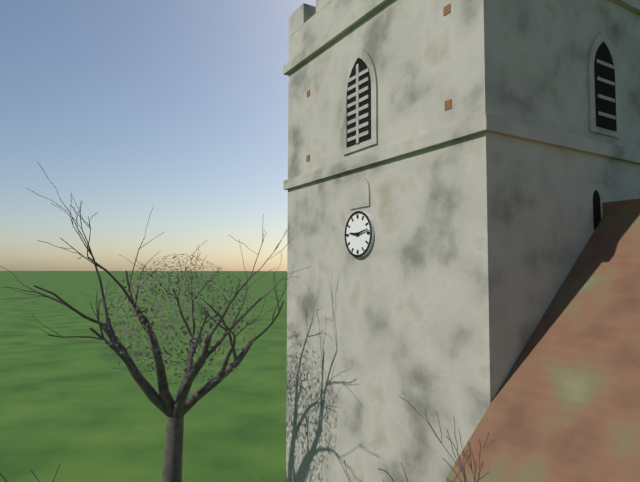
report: 9,13
